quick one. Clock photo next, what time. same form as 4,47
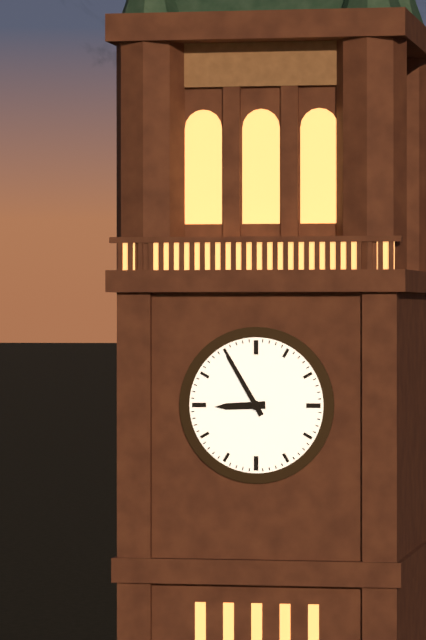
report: 8,55
